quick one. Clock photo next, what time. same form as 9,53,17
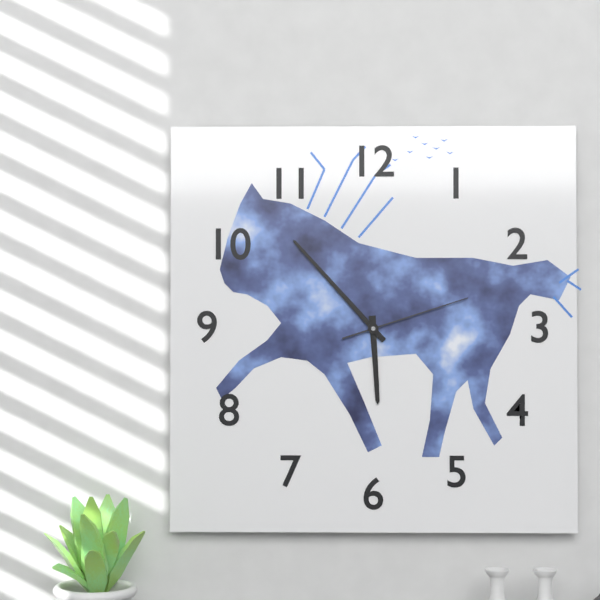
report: 5,53,12
